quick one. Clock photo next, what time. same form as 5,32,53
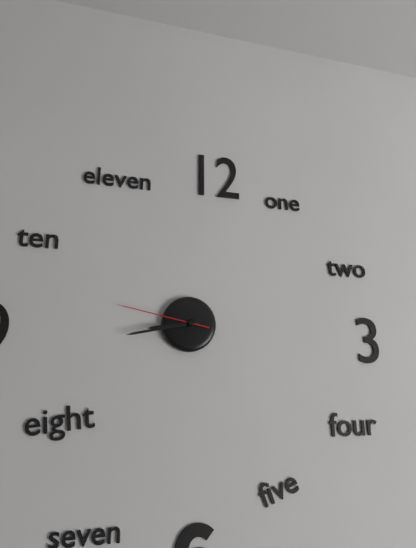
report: 8,43,47
